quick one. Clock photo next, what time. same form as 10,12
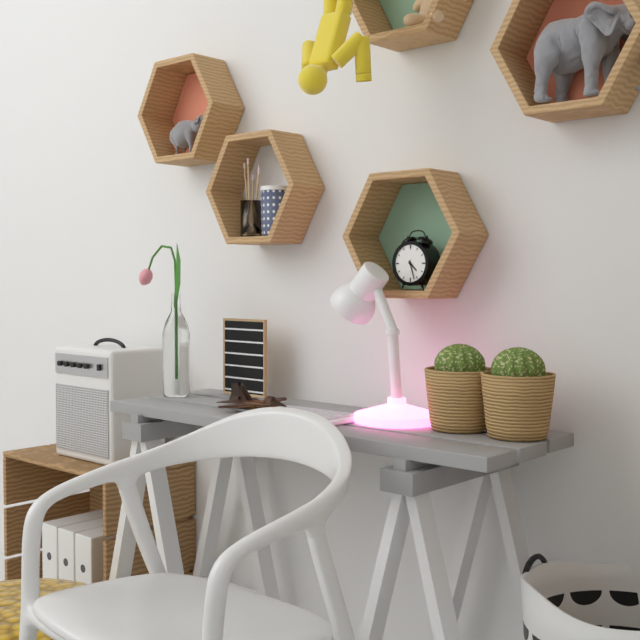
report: 4,27
